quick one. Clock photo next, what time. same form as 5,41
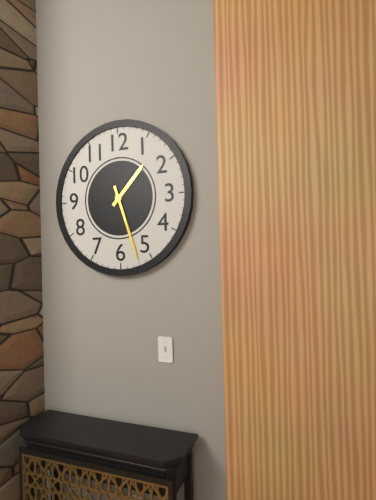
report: 1,27
